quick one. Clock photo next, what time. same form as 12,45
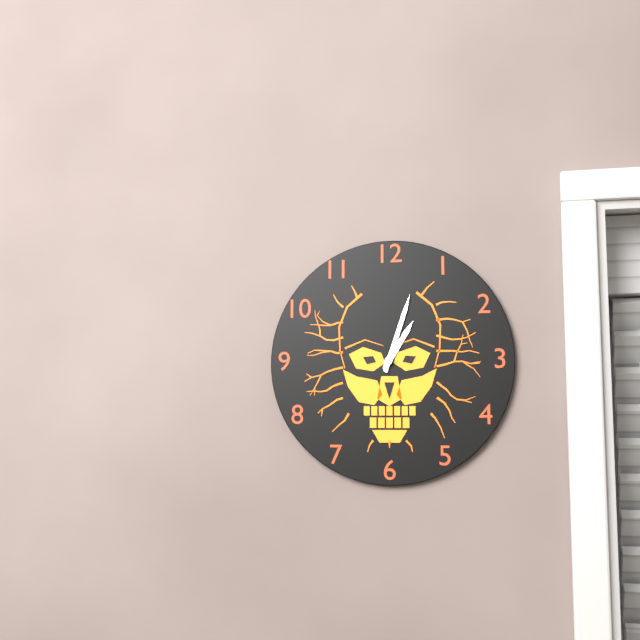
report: 1,03
